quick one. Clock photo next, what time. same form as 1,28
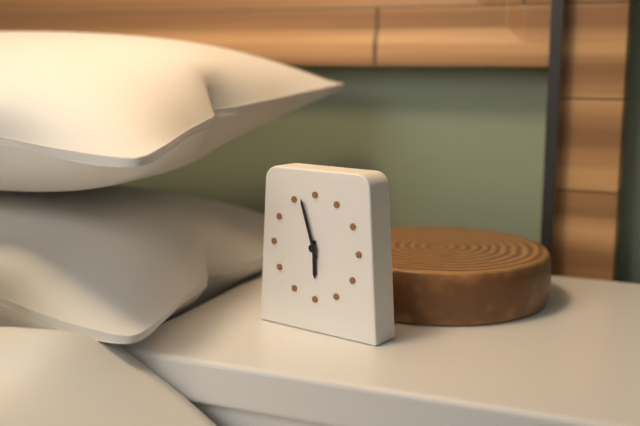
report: 5,57
